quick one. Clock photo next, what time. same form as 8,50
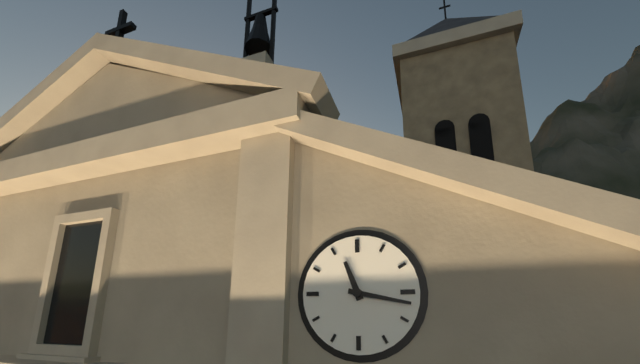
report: 11,17
